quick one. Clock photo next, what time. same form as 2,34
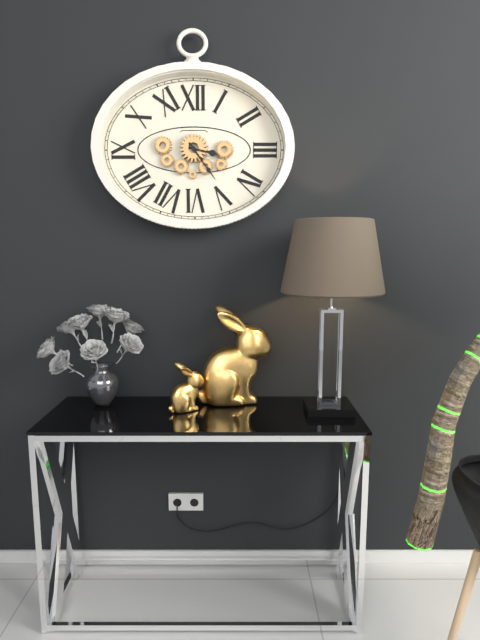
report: 3,24
